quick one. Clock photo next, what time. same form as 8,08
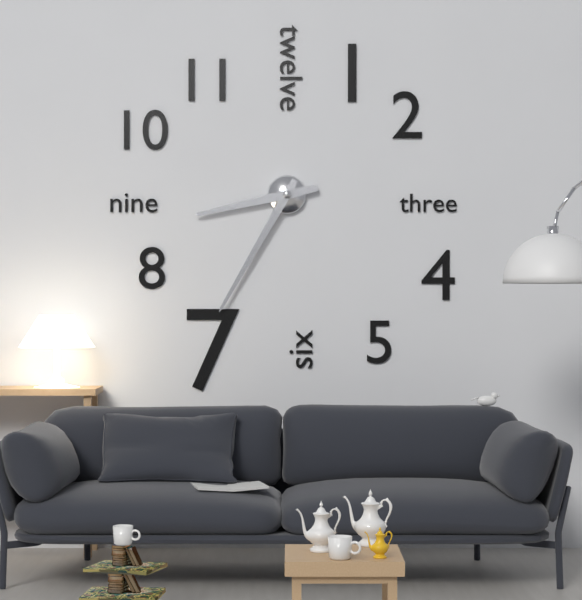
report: 8,35
